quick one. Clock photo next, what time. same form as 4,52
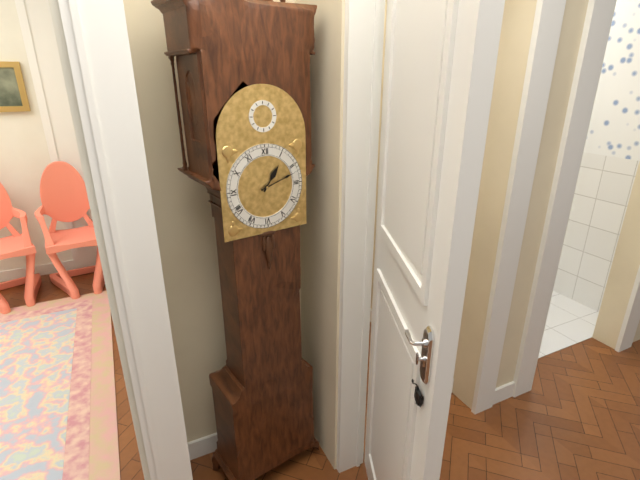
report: 1,12
